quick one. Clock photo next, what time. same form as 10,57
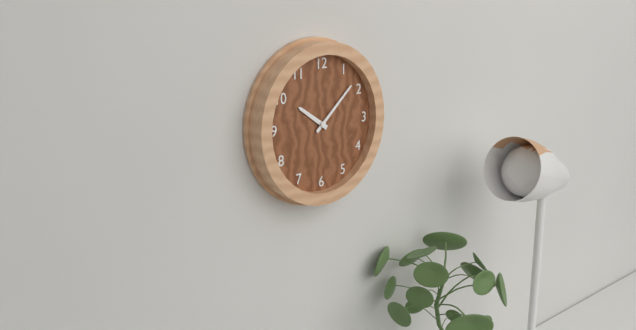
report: 10,08
